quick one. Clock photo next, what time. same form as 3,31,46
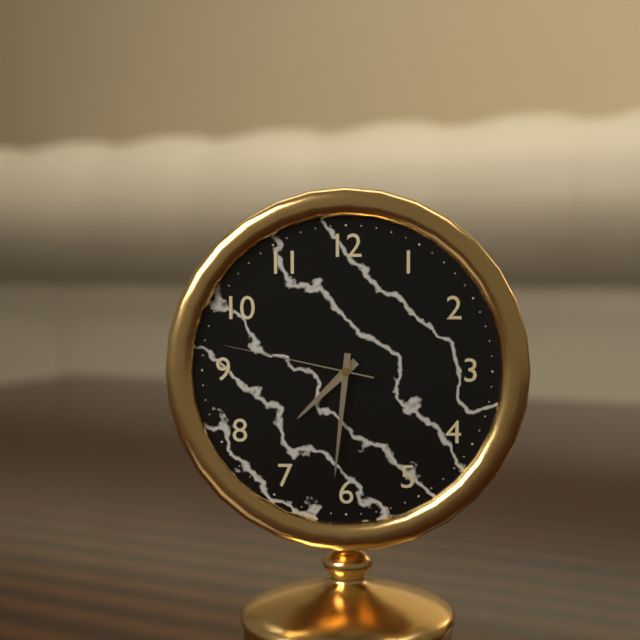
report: 7,31,47
